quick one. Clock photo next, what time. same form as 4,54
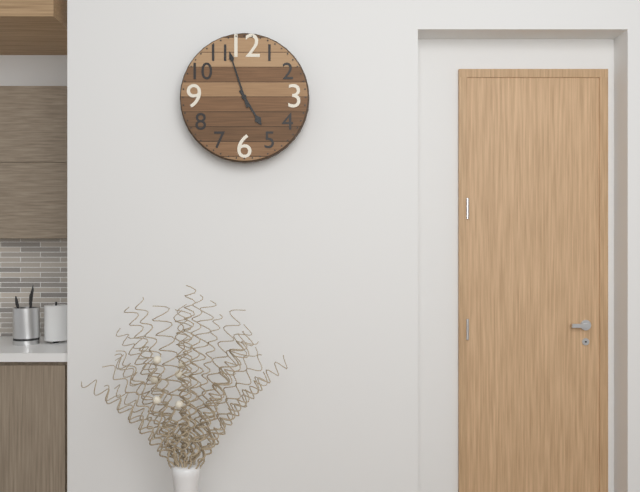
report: 4,57
